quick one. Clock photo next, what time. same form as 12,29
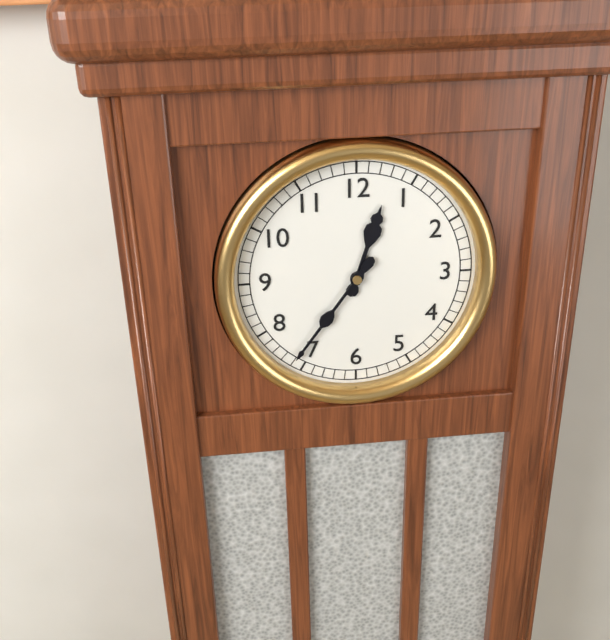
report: 12,36
